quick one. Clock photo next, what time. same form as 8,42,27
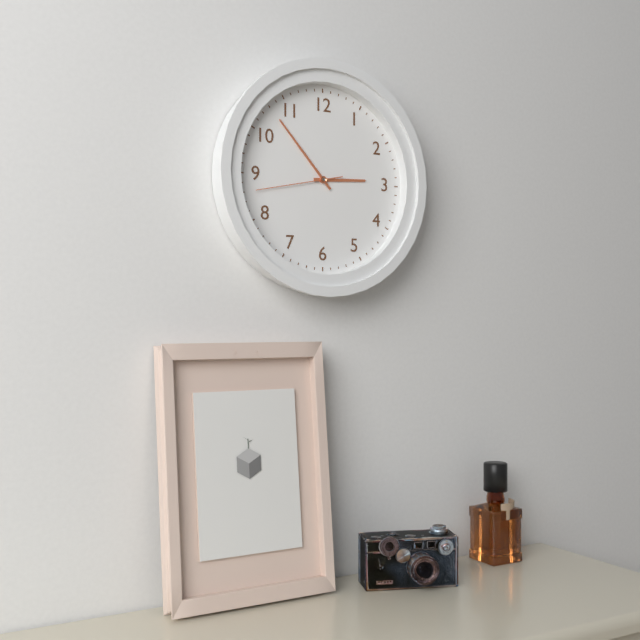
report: 2,53,43
